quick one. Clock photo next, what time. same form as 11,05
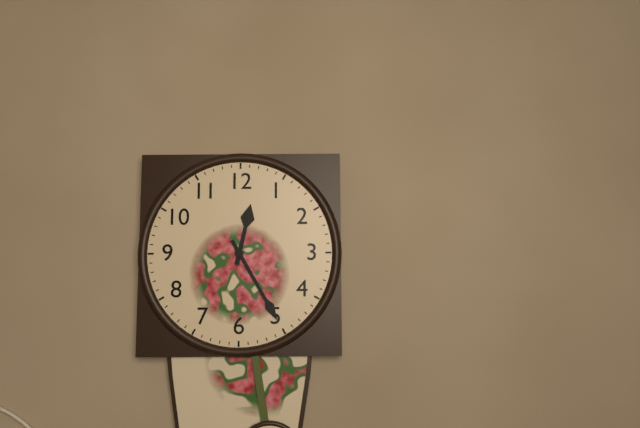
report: 12,25
